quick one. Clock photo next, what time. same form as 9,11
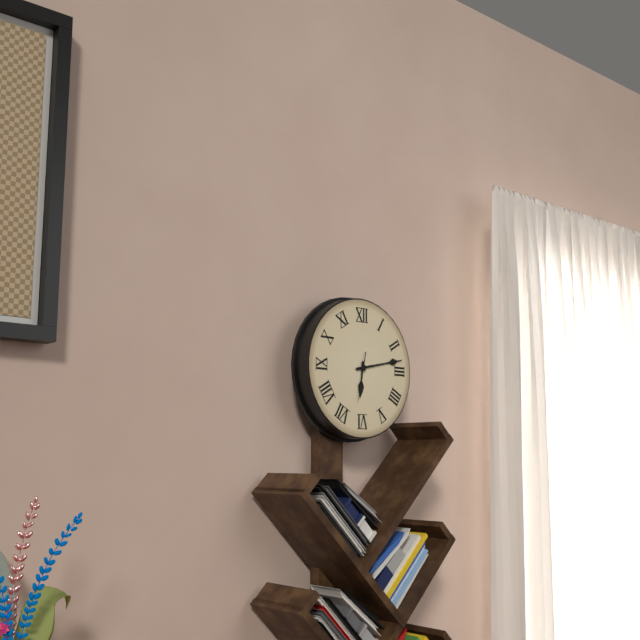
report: 6,13
